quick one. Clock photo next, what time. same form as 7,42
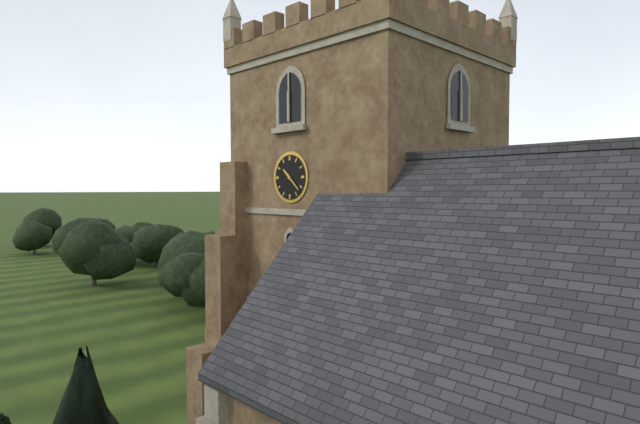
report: 10,22
